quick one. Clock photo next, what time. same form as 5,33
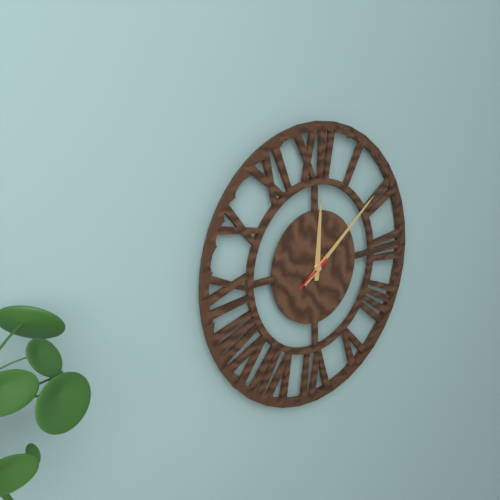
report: 12,09
